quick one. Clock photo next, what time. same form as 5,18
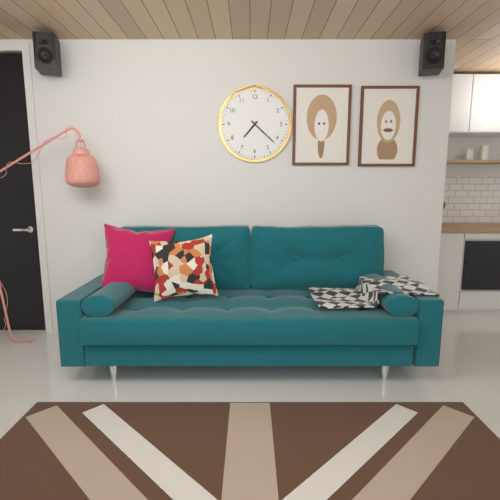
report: 7,22
